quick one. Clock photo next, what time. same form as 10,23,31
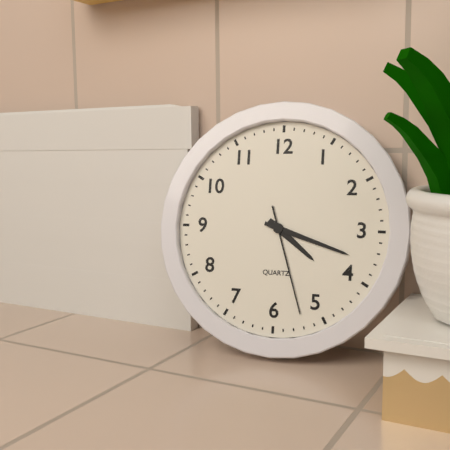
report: 4,18,27
